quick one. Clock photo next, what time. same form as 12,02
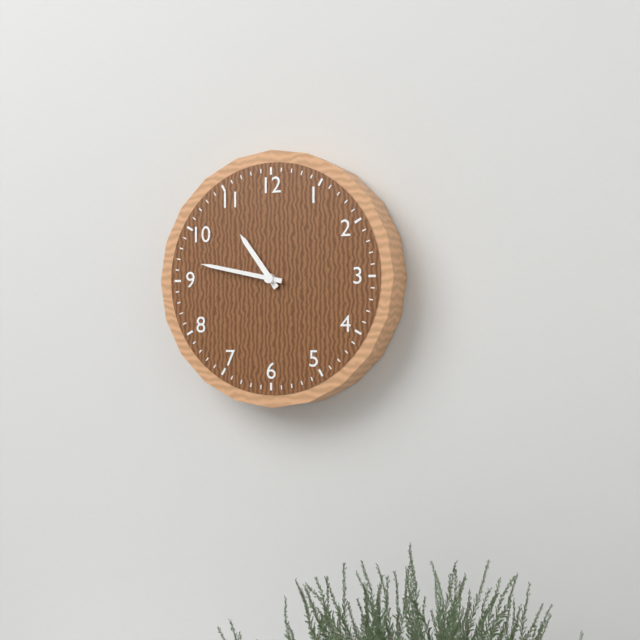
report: 10,47
